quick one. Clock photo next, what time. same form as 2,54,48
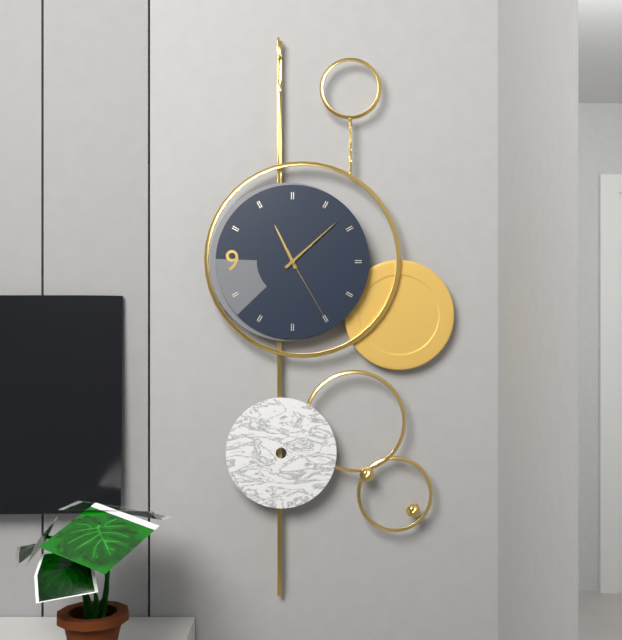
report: 11,08,25
